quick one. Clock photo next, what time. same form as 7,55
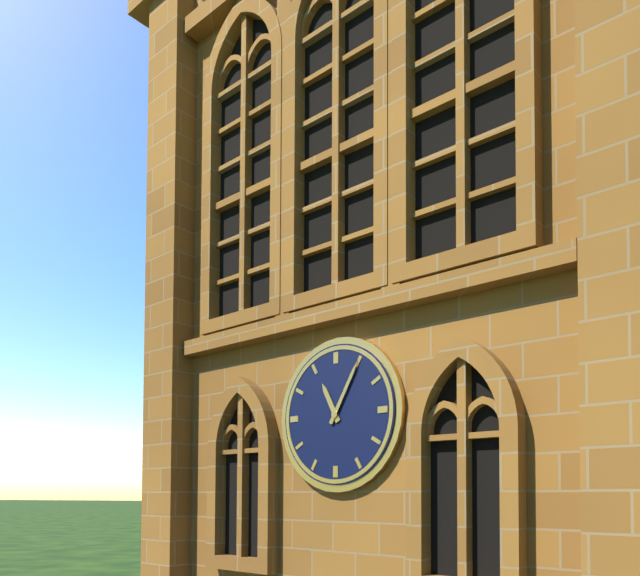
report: 11,05
